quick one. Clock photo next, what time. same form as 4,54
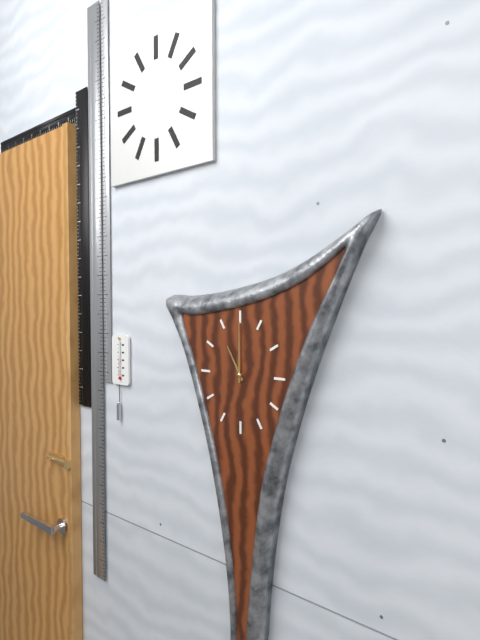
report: 11,00
